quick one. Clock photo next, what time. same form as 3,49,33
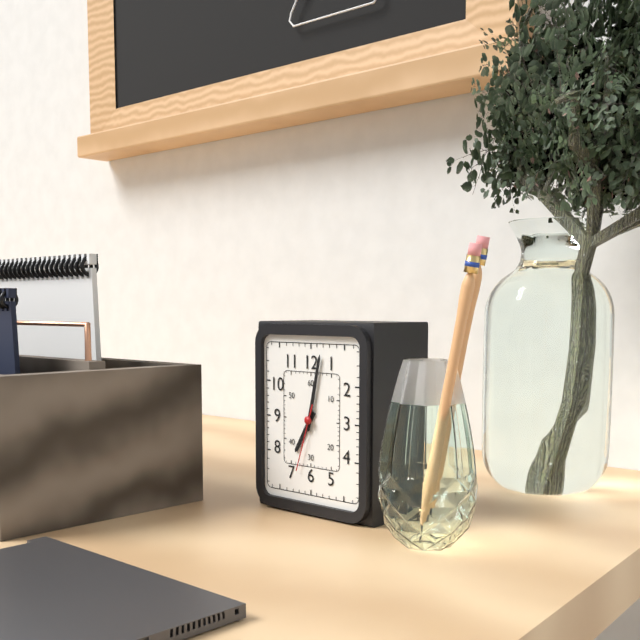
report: 7,02,33
